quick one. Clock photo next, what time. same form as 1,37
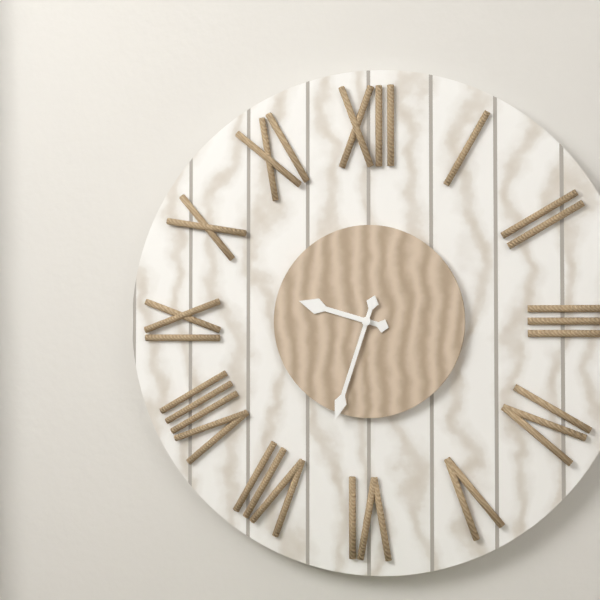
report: 9,33
